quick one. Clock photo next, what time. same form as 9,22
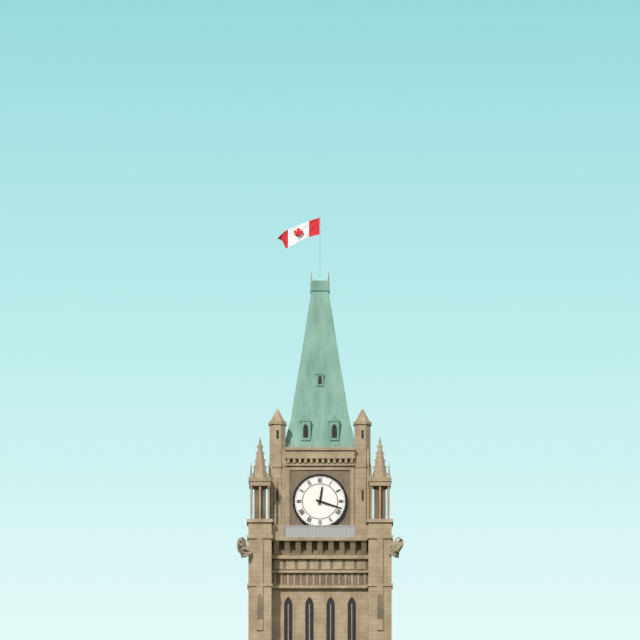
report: 12,18
